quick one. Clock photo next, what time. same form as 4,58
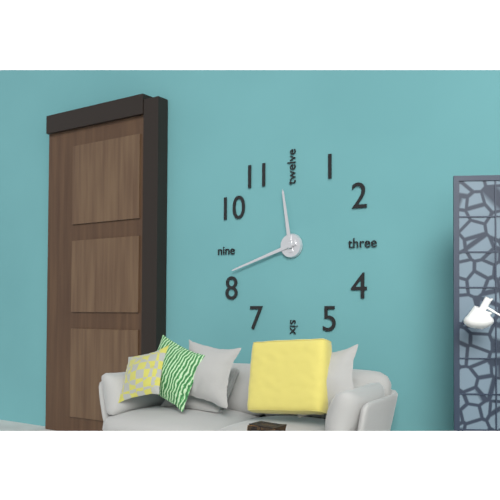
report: 11,42
